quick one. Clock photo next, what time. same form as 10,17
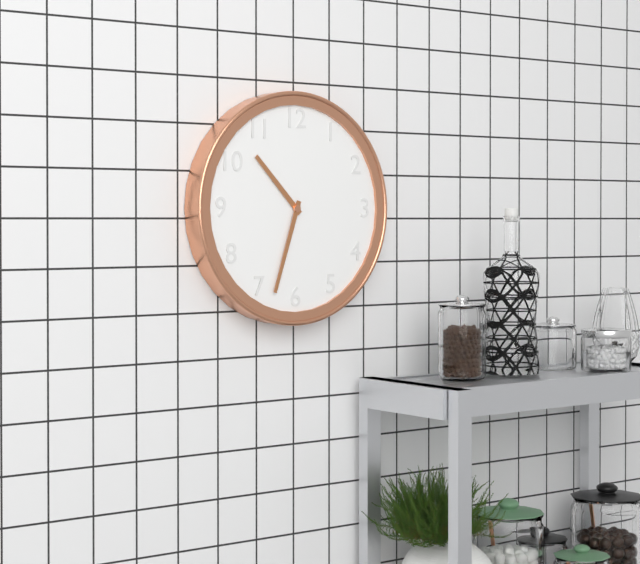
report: 10,33
